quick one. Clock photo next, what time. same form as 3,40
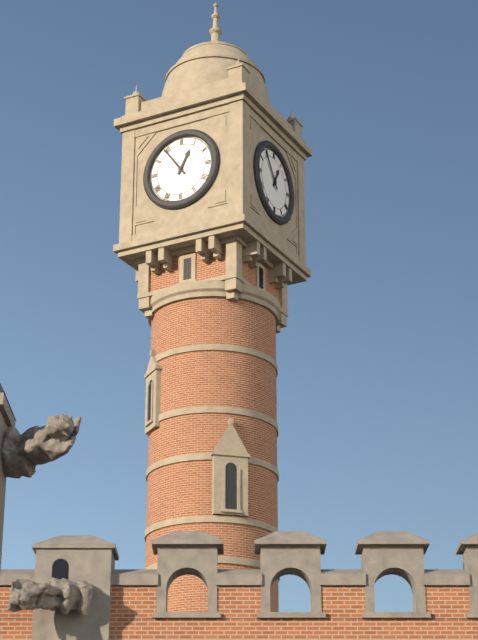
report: 12,54
